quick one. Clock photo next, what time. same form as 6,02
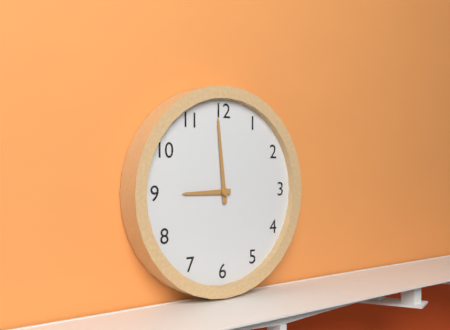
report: 8,59
